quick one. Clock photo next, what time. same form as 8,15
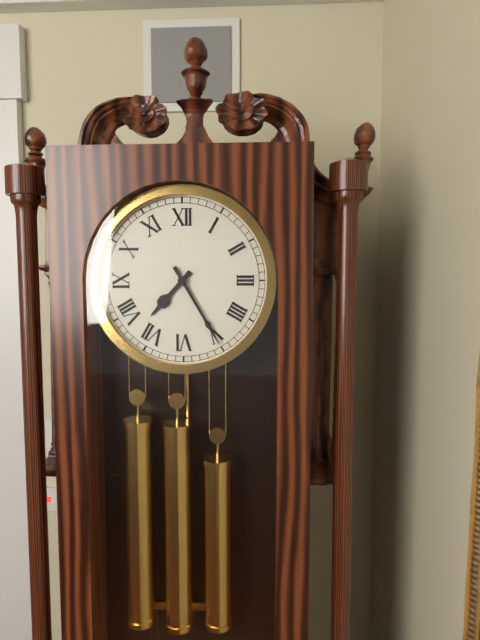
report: 7,25
